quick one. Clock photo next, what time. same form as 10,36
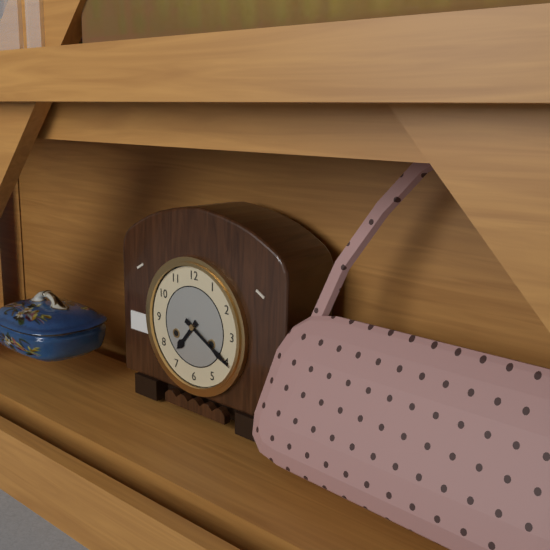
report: 7,20
